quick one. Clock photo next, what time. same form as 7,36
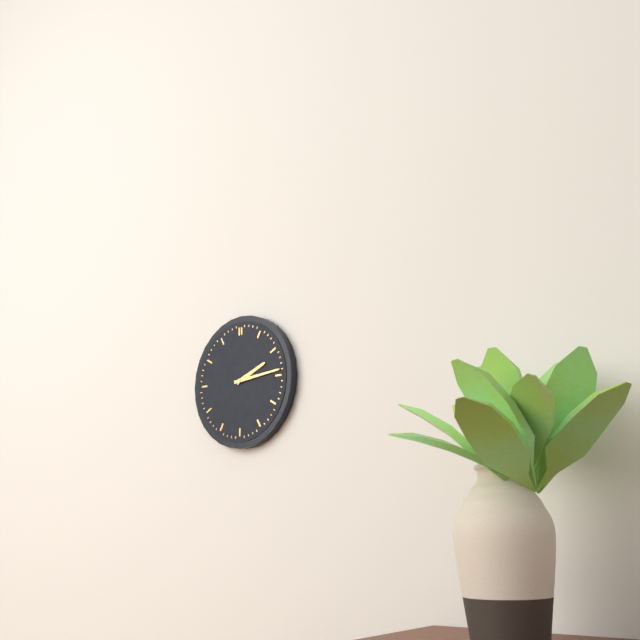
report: 2,14
